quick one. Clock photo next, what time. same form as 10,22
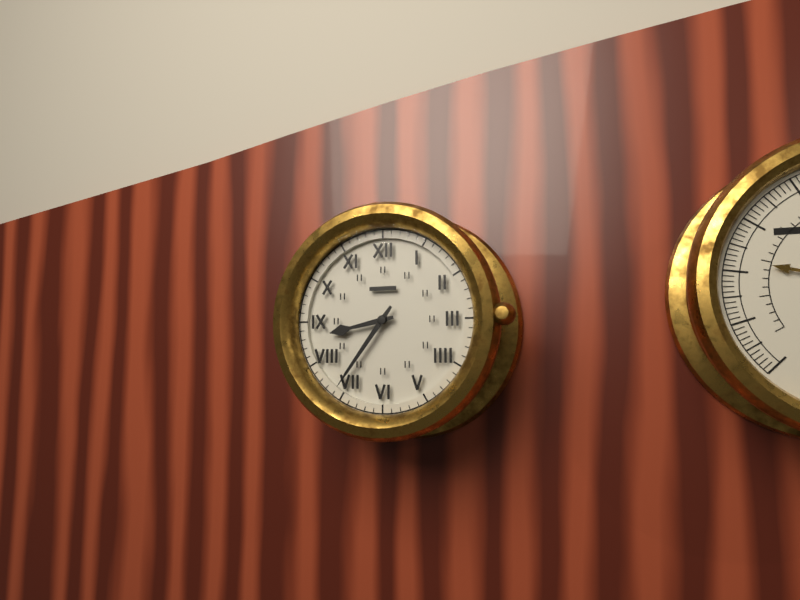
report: 8,36
